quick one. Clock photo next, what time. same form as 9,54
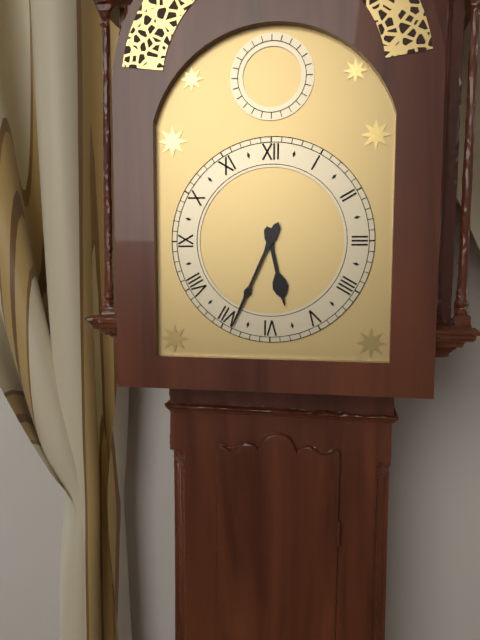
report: 5,34
